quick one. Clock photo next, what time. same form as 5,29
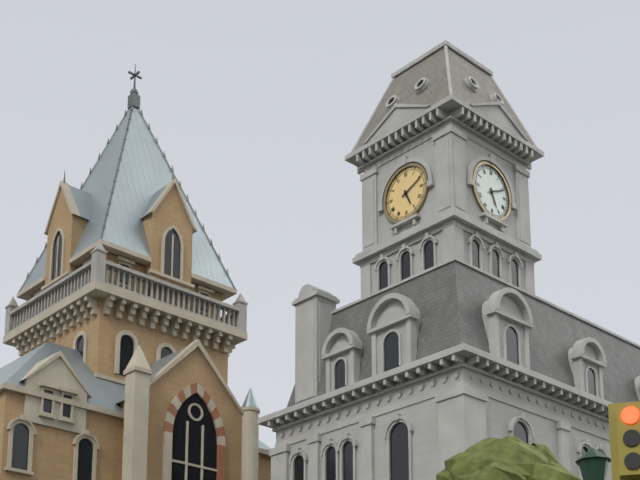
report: 5,11
